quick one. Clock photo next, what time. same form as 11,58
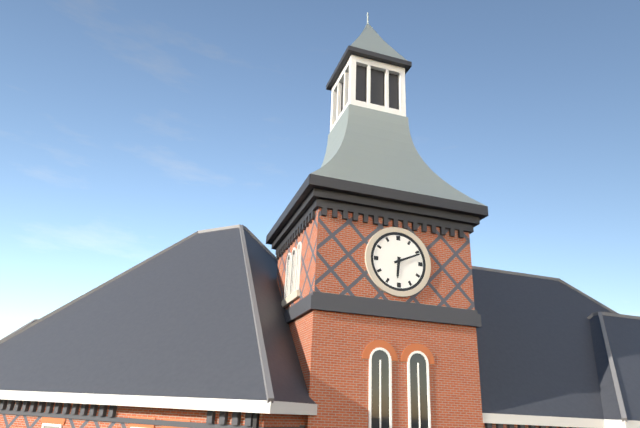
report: 6,11
